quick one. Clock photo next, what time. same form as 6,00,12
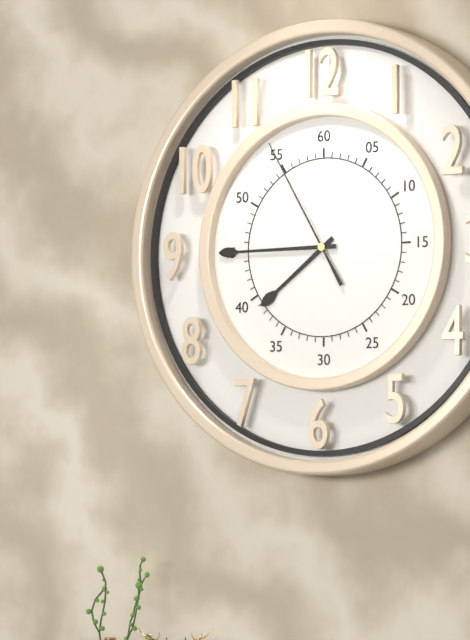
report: 7,45,55
